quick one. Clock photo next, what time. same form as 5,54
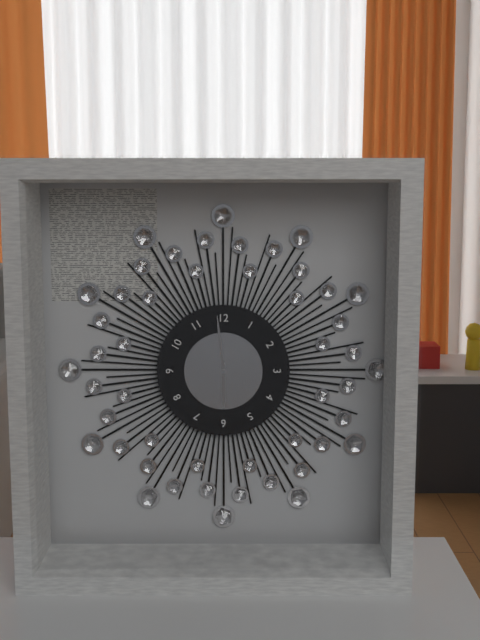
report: 5,59
